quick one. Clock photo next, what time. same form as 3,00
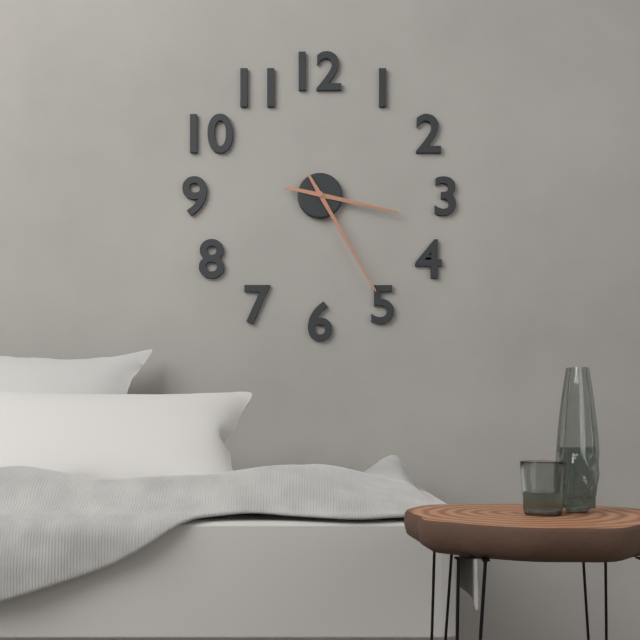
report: 3,25
